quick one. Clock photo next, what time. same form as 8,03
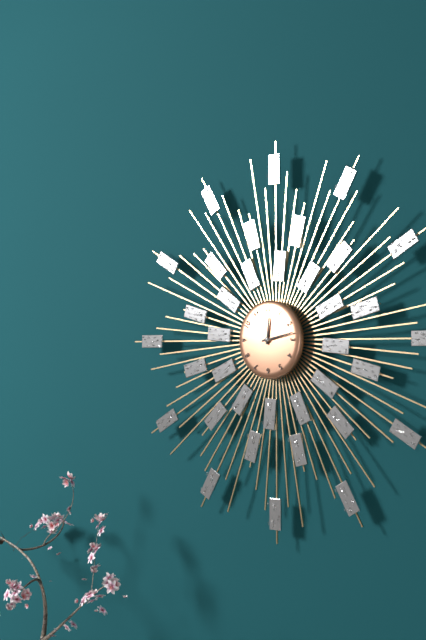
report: 12,13
